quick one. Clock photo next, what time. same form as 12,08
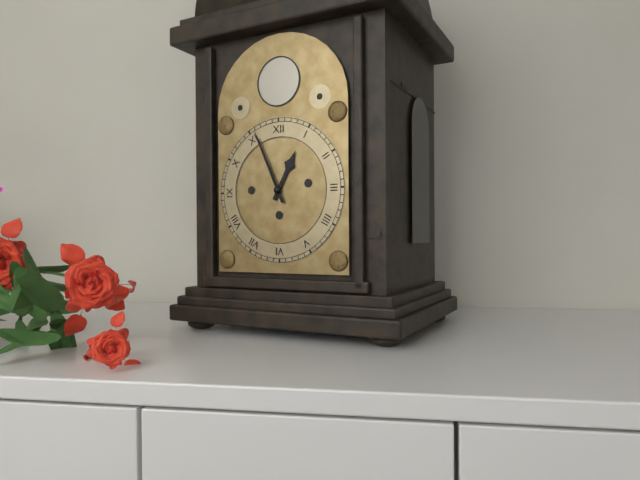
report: 12,56
